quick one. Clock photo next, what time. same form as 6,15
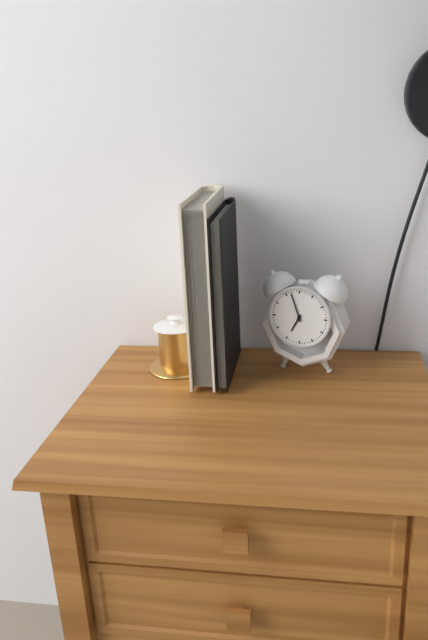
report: 6,57
